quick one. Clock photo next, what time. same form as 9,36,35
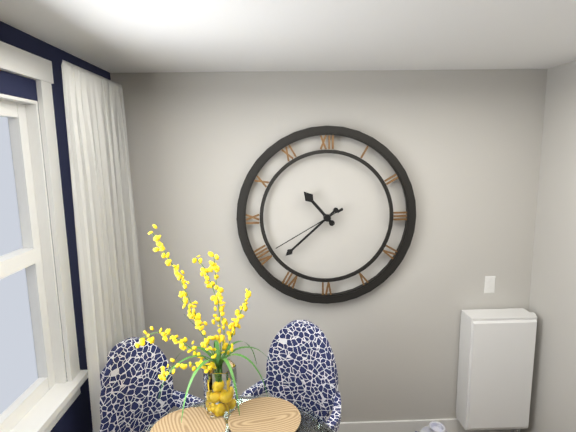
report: 10,38,40
